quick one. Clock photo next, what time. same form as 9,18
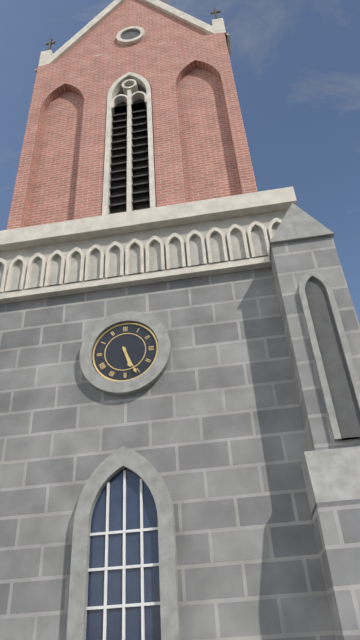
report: 5,26
